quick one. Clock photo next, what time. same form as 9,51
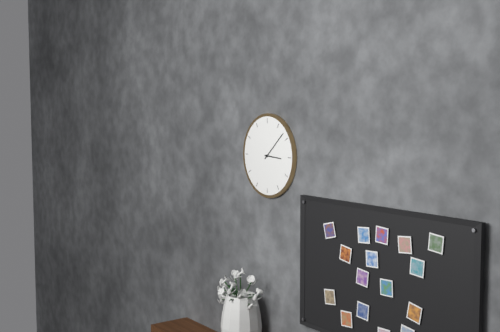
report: 3,08
